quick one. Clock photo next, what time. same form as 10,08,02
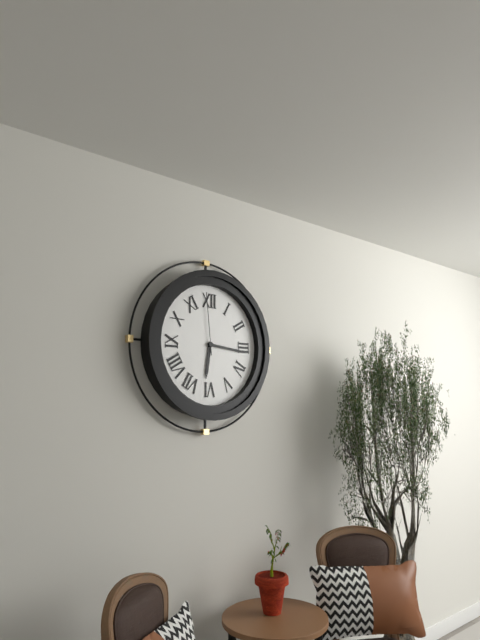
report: 6,16,59
